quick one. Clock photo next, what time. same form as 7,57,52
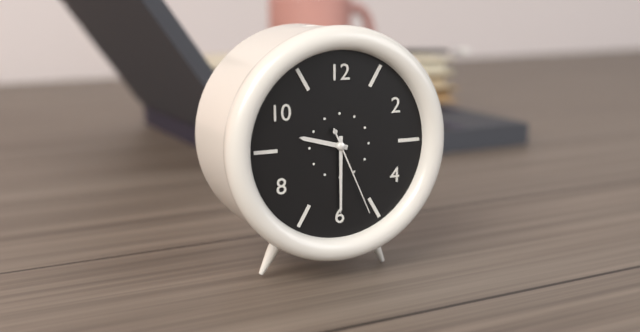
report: 9,30,26
